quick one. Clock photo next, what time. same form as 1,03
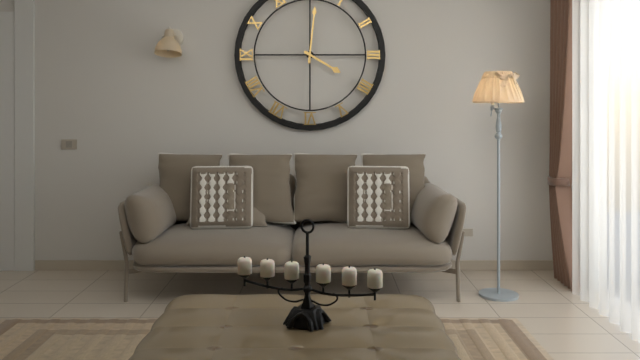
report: 4,01
